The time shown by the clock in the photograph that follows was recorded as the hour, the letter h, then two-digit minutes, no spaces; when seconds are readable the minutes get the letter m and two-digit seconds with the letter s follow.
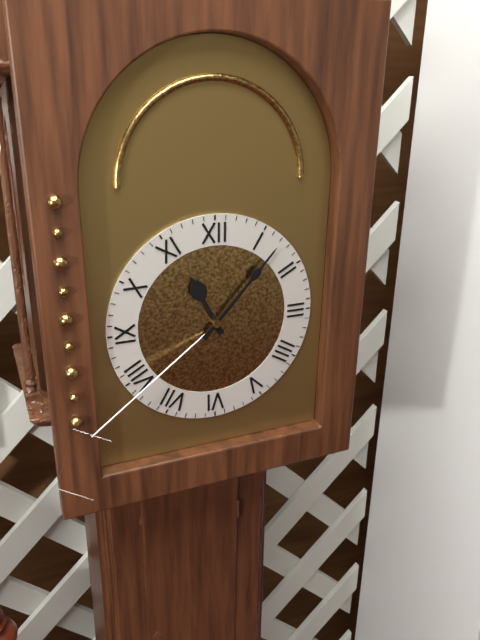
11h07
